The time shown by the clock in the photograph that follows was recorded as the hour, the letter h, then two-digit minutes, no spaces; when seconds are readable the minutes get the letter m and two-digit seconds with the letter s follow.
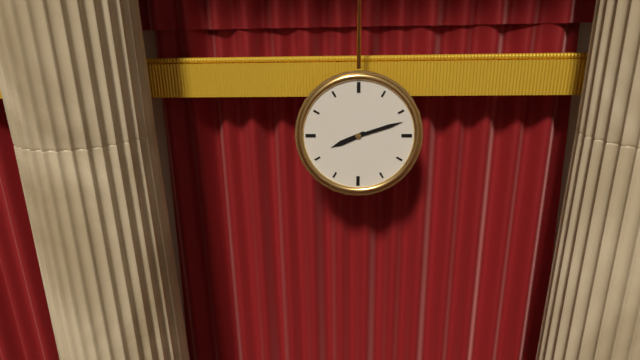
8h12
